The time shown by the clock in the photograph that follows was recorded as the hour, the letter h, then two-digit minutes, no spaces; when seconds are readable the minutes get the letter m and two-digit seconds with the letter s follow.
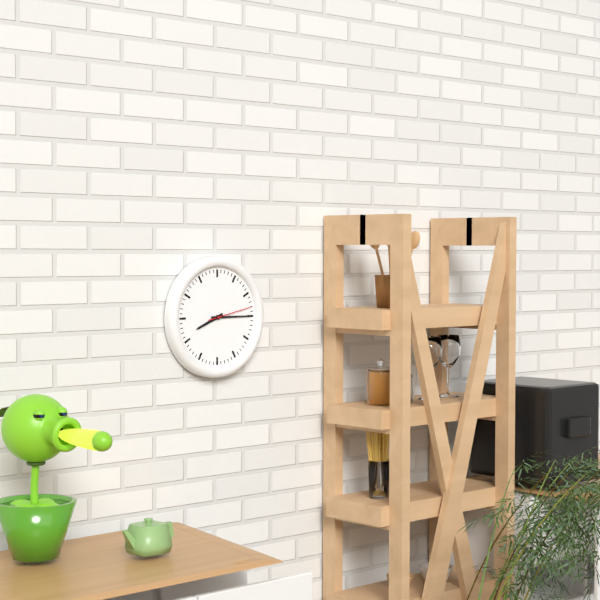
8h15
